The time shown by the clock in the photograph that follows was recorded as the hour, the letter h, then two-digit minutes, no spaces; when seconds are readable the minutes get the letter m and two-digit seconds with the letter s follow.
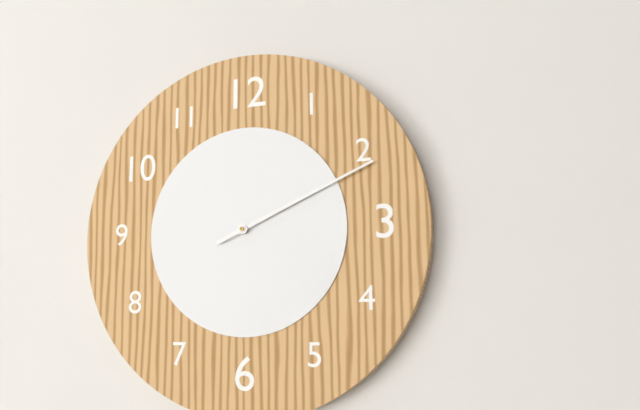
2h11
